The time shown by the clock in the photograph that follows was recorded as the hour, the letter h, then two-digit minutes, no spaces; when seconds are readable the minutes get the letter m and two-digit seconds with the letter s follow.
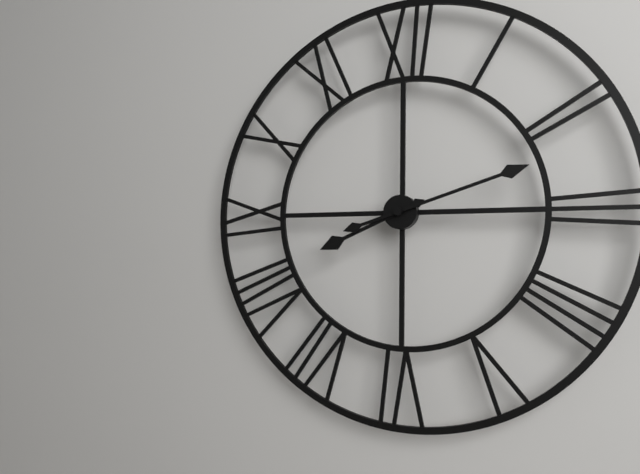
8h12
